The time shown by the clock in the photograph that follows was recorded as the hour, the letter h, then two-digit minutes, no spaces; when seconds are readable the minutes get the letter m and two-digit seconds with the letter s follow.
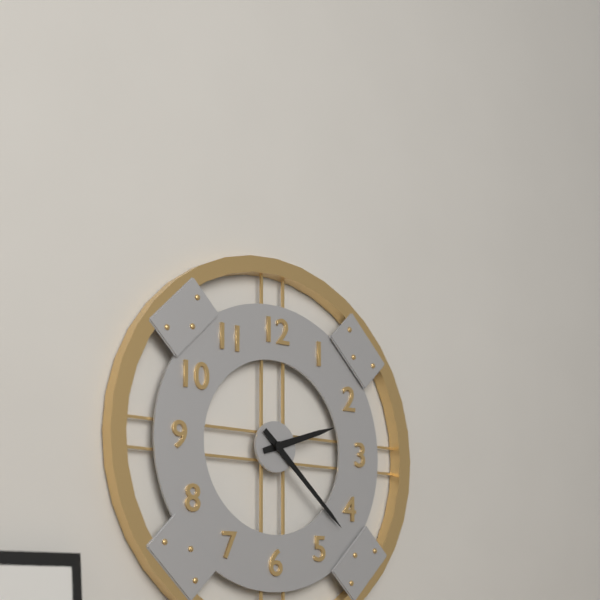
2h22
